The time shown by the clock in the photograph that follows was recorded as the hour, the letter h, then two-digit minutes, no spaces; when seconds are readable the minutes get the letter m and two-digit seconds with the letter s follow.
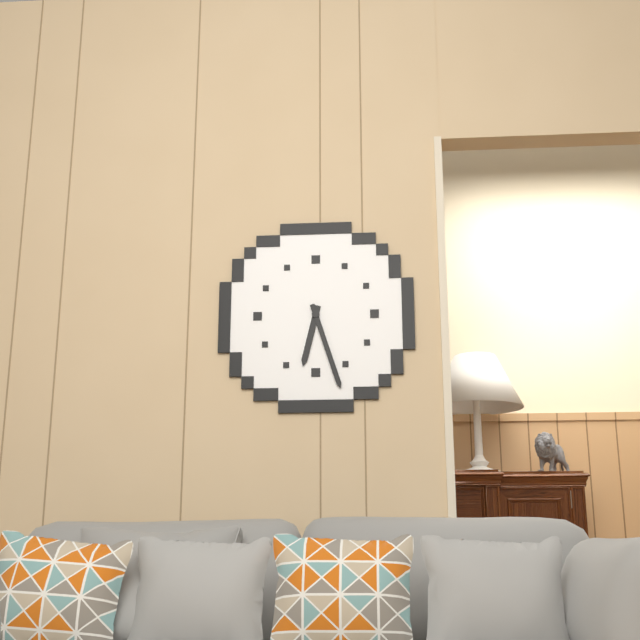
6h27
